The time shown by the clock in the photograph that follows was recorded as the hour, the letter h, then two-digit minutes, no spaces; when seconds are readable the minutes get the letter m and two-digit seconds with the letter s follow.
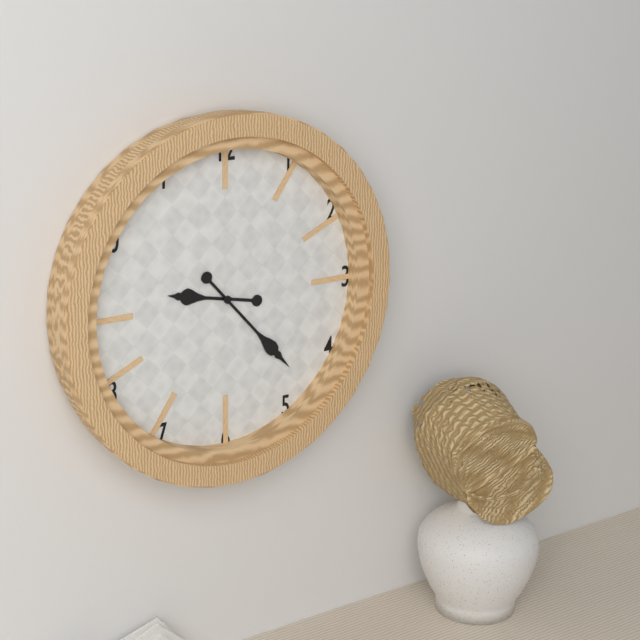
9h23
